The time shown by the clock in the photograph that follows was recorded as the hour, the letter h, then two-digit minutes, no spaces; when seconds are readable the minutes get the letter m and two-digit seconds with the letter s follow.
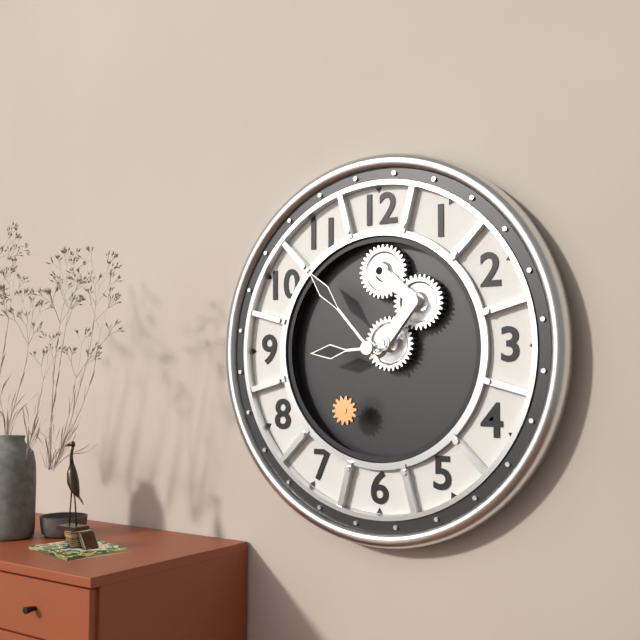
8h53
